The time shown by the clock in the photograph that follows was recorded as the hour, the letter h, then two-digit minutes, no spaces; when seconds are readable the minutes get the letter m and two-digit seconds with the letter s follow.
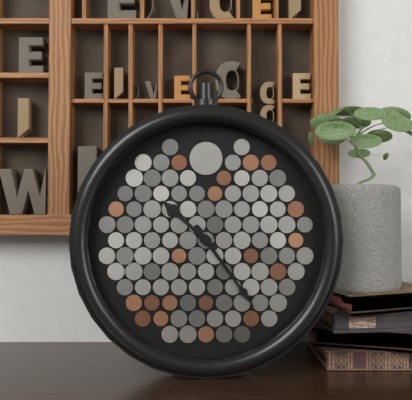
10h24
